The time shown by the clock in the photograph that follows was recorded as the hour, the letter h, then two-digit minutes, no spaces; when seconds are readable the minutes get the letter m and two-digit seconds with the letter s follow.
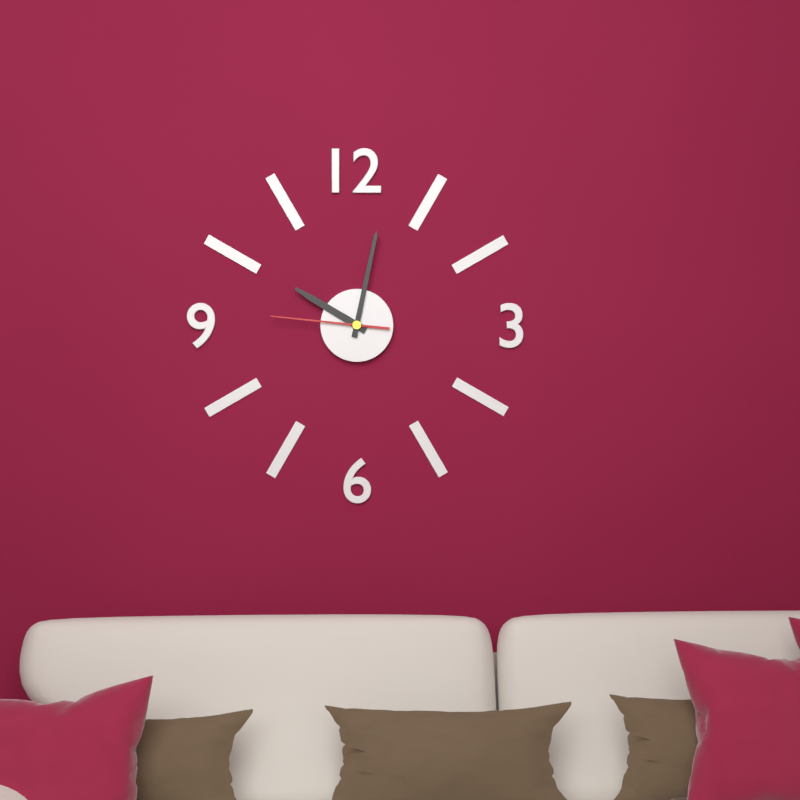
10h02m46s
